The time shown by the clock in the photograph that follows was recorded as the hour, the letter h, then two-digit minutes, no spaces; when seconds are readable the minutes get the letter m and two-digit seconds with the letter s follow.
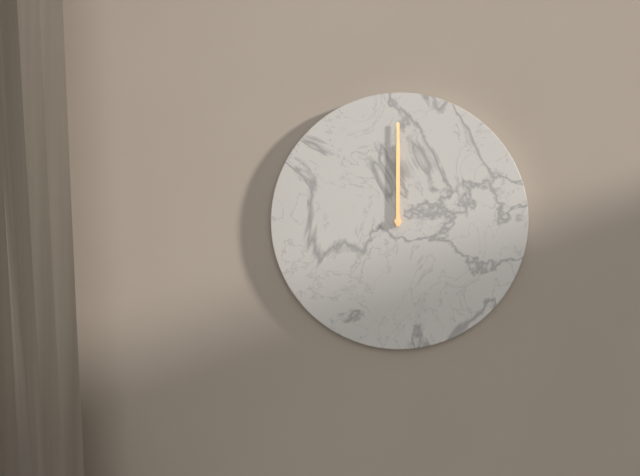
12h00
